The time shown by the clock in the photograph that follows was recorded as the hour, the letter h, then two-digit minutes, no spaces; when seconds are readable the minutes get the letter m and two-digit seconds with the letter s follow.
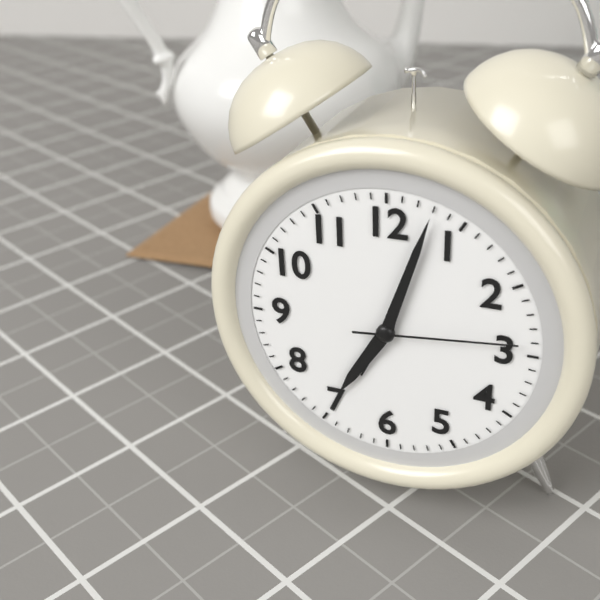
7h03m14s
